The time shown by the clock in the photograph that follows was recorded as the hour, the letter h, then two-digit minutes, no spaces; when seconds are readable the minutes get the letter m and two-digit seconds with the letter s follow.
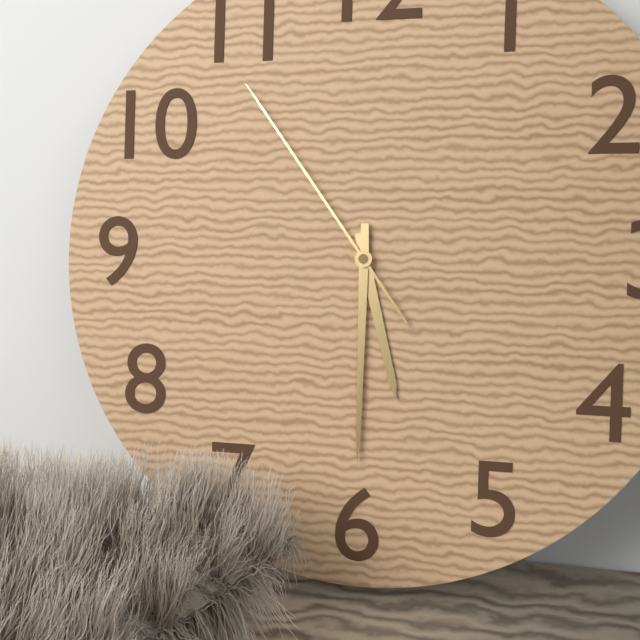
5h30m54s
